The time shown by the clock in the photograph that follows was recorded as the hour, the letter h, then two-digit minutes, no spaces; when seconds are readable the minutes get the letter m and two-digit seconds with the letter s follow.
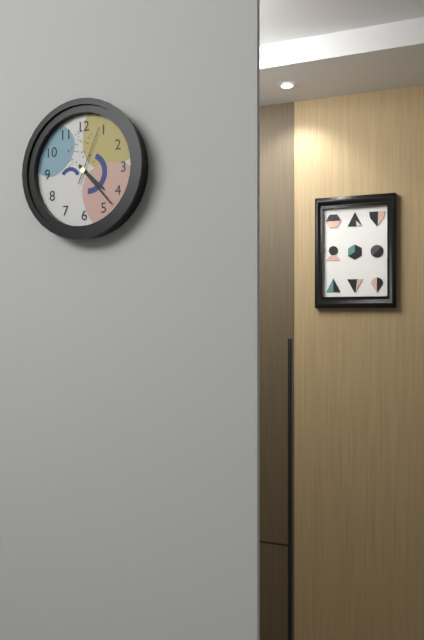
4h23m04s
